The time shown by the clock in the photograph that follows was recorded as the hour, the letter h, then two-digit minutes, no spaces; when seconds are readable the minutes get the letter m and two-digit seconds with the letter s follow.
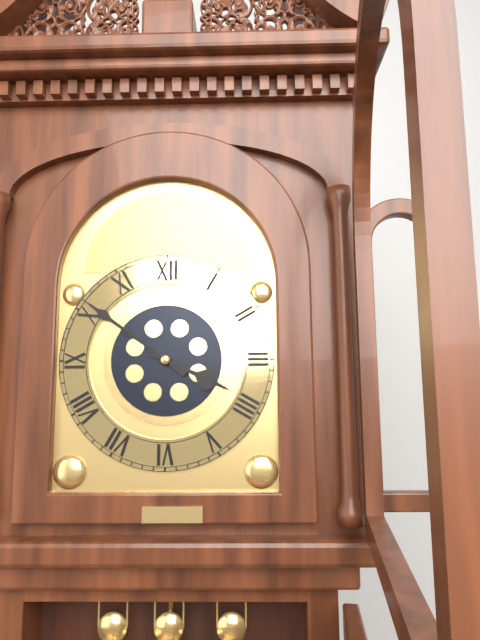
3h51
